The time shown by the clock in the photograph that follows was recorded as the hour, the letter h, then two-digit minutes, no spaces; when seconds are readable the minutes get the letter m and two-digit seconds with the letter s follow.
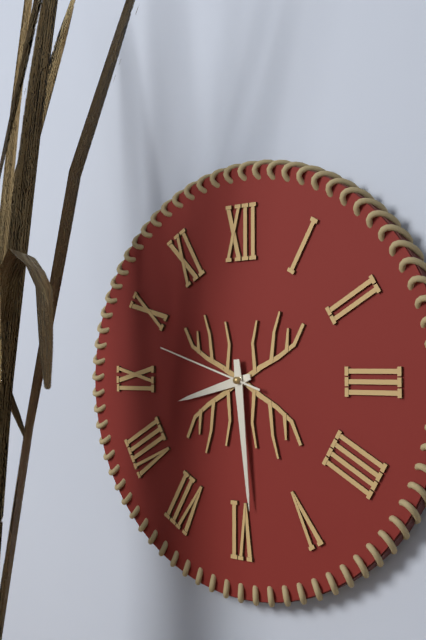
8h29m48s
